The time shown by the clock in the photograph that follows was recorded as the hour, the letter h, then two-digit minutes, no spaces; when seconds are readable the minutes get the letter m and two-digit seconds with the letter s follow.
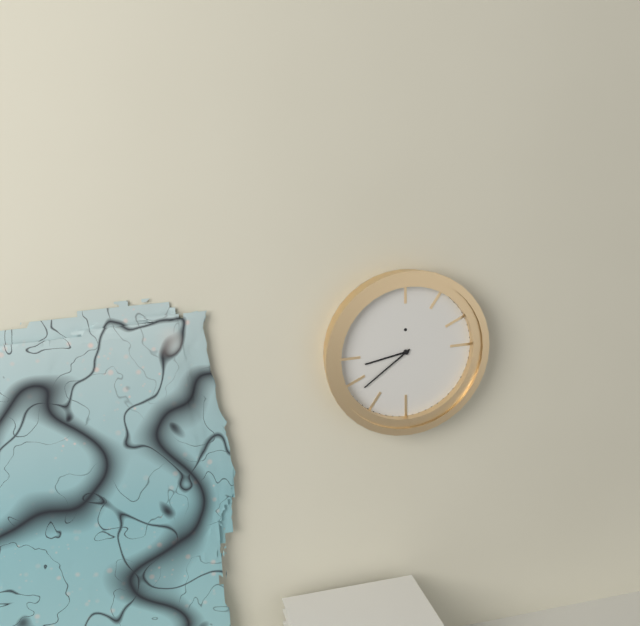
8h39
